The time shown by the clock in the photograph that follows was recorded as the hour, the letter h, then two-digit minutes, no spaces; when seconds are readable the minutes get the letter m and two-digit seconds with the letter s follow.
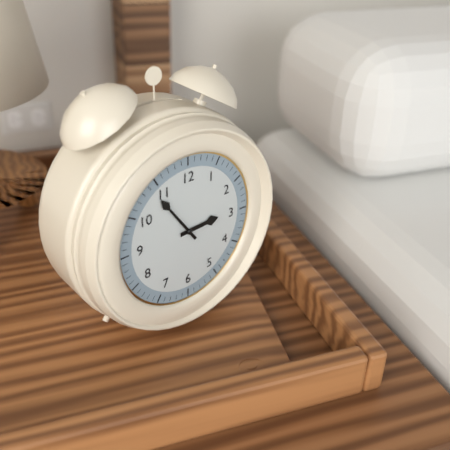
2h54
